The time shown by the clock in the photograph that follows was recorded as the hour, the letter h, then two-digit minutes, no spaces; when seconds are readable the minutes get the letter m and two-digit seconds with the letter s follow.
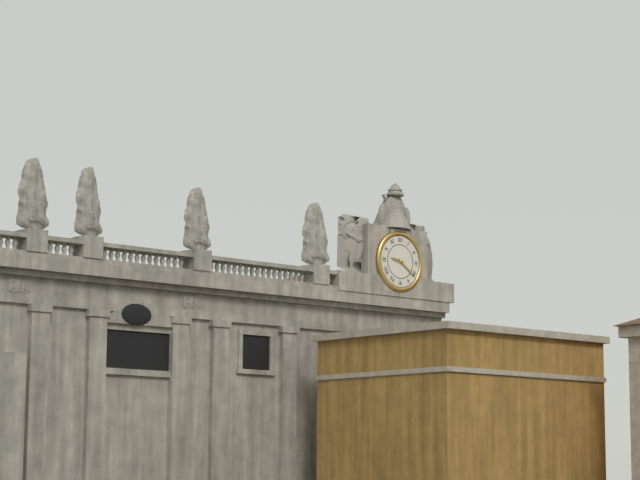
9h21
